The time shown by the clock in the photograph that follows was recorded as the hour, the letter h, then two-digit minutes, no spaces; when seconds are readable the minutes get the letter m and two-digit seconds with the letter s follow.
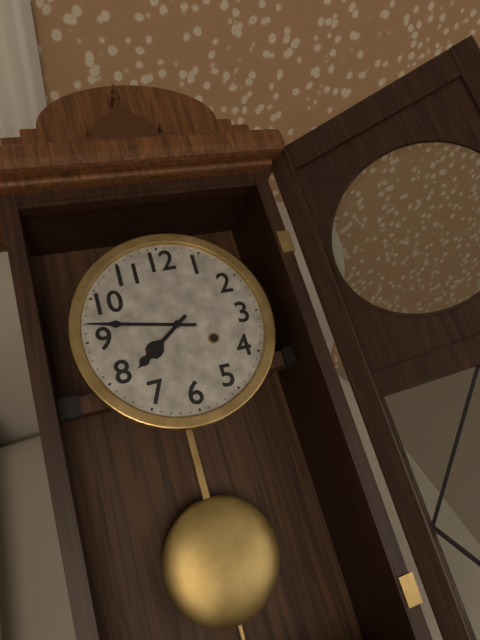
7h47
